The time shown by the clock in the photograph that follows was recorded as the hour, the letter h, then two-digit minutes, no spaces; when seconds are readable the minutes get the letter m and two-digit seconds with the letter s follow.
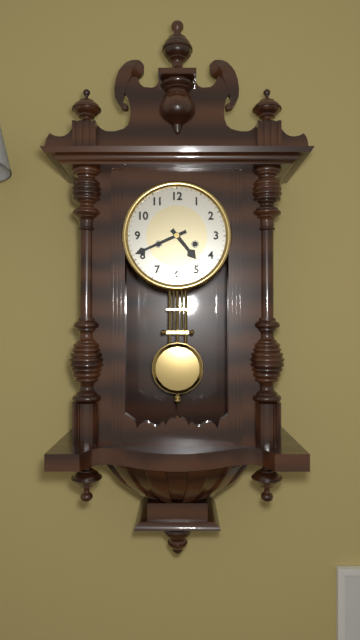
4h41
